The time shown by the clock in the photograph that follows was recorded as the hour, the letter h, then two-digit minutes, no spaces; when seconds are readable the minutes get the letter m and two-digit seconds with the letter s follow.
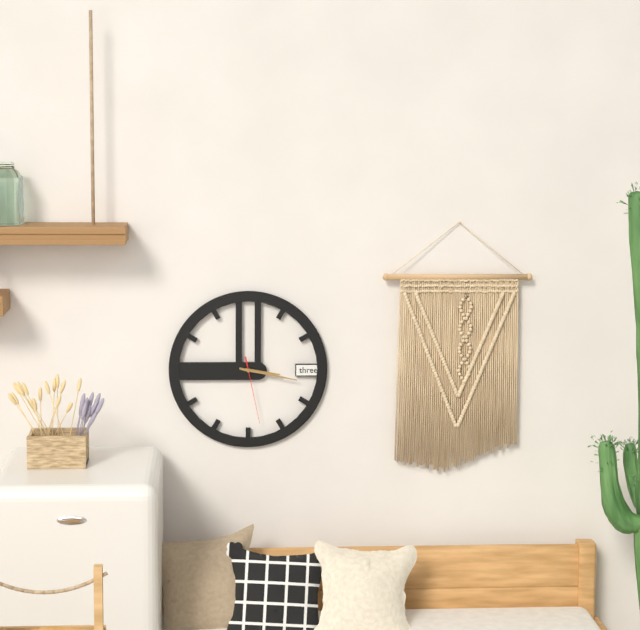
3h17m28s
